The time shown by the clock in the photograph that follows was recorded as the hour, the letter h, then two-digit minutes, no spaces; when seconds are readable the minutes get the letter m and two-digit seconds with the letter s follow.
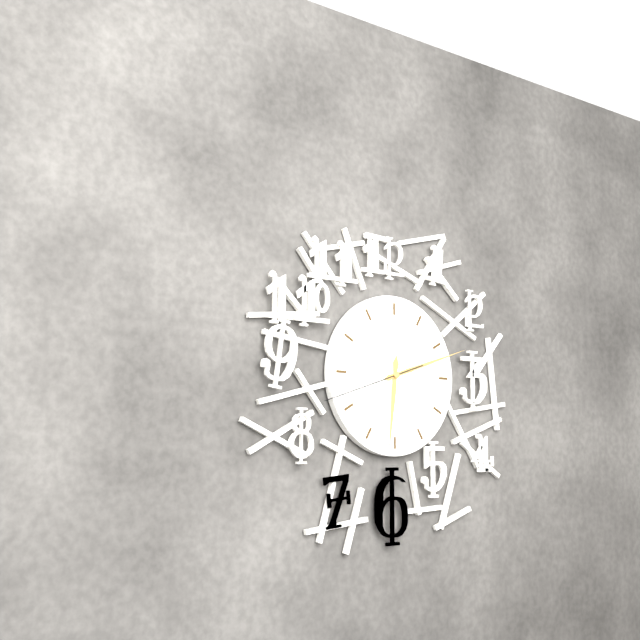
6h12m42s
